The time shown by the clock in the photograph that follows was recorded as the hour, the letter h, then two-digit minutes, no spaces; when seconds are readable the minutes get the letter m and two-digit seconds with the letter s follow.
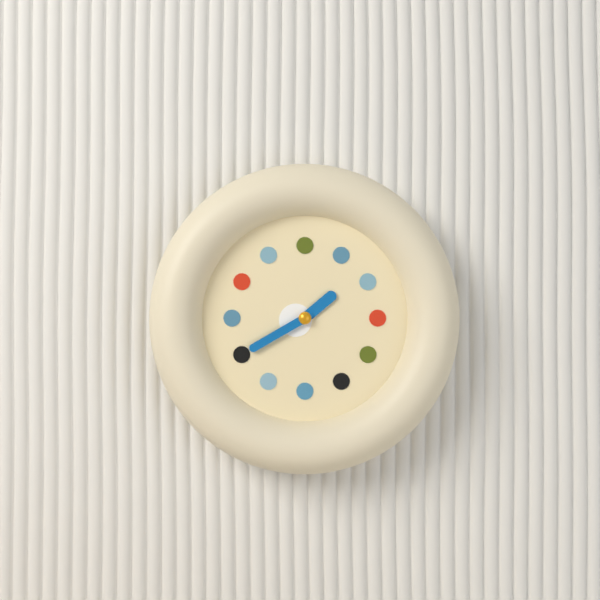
1h40
